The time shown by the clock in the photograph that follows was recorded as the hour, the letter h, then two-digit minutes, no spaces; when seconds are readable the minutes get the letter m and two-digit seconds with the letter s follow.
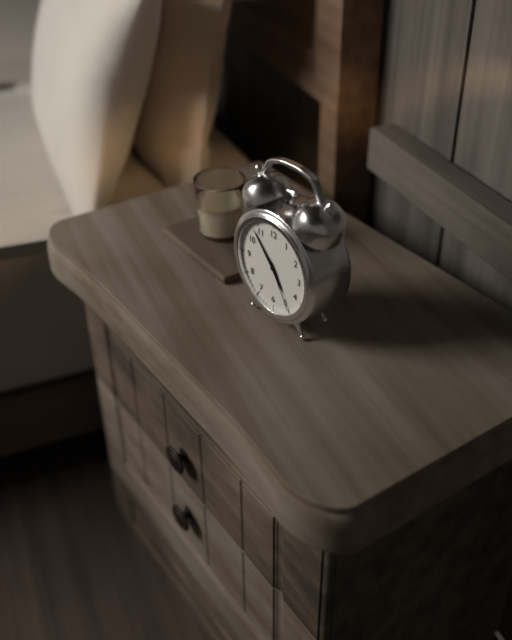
4h53m25s
